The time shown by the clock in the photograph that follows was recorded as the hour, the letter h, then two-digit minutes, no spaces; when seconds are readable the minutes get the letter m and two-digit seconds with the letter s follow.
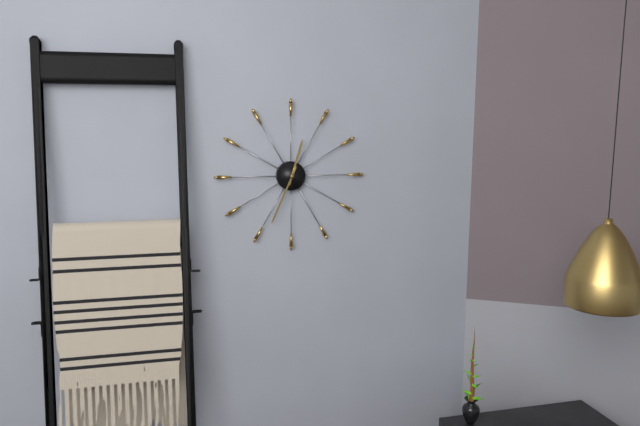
12h34
